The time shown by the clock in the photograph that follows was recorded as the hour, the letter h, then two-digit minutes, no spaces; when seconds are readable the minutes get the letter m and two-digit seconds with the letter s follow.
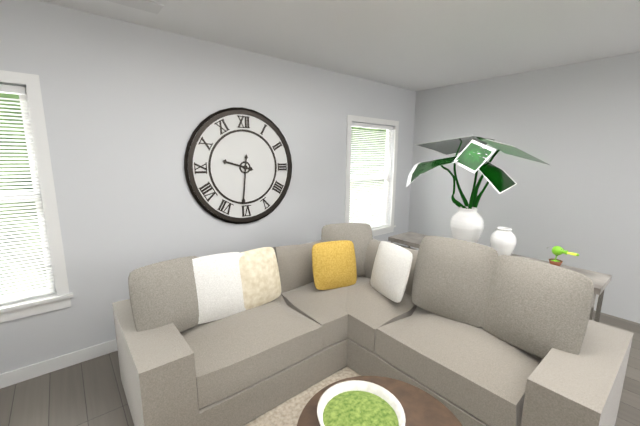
9h31
